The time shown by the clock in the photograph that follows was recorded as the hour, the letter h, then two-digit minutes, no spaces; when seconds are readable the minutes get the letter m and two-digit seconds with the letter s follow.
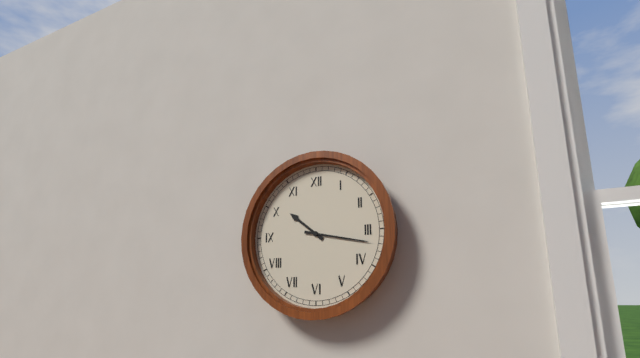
10h17
